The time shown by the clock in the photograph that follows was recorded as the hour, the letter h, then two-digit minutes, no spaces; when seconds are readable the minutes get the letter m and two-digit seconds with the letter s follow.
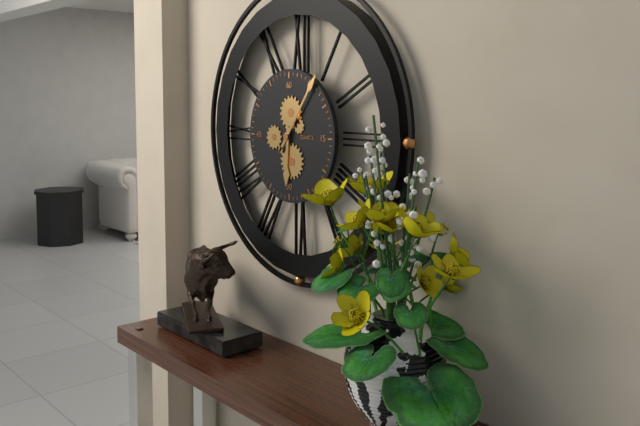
6h06
